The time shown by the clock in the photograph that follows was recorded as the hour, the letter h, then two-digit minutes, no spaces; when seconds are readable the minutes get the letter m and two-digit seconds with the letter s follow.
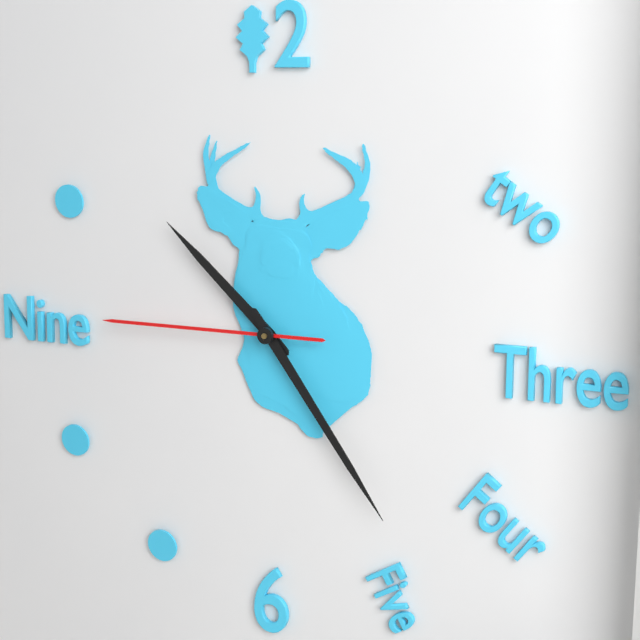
10h24m45s
